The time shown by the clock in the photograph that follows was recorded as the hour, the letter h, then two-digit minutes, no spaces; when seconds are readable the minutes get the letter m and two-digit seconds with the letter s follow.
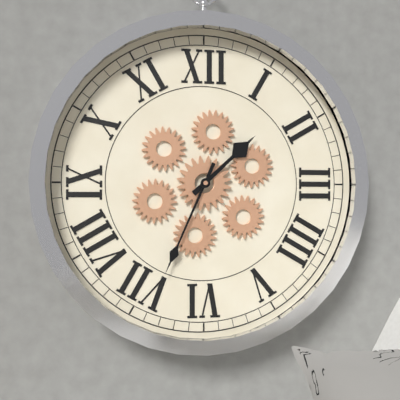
1h34
